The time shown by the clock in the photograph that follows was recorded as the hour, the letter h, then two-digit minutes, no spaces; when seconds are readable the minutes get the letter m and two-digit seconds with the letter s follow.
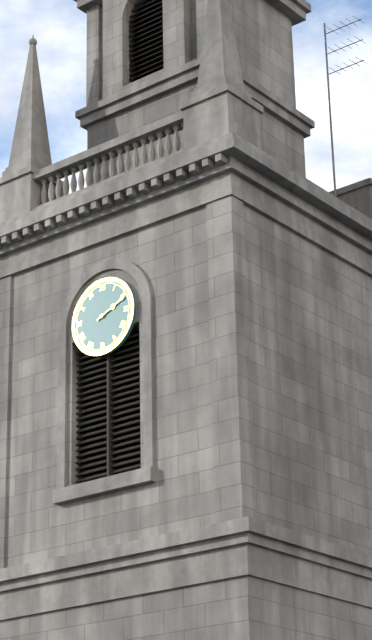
2h11
